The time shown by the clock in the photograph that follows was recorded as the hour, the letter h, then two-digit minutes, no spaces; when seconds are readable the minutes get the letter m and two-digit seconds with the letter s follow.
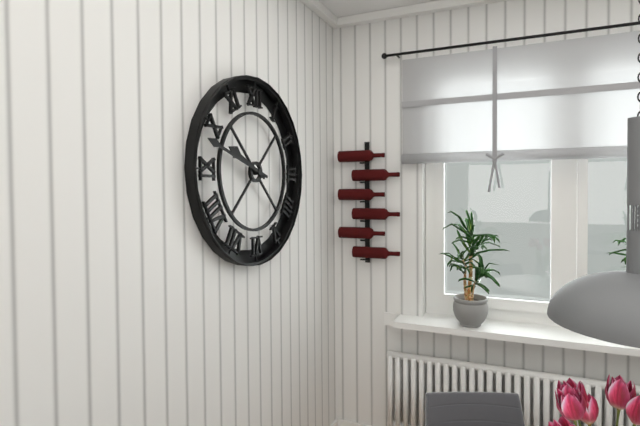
9h48
